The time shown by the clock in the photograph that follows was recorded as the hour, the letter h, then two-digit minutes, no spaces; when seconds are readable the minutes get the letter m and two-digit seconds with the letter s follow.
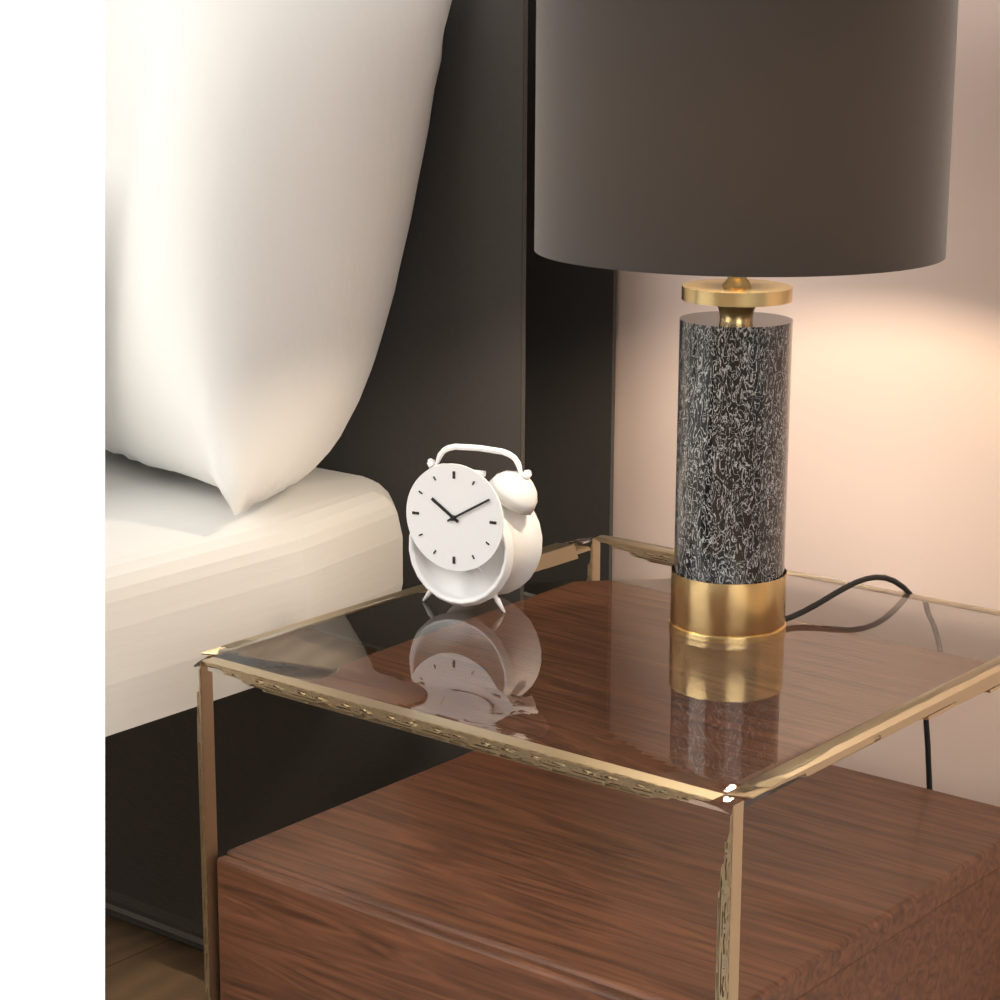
10h10
